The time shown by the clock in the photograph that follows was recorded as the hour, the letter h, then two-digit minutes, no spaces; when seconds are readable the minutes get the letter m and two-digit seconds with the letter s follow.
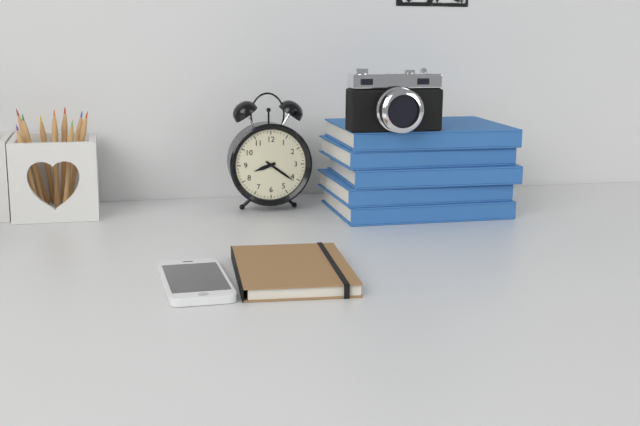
8h21
